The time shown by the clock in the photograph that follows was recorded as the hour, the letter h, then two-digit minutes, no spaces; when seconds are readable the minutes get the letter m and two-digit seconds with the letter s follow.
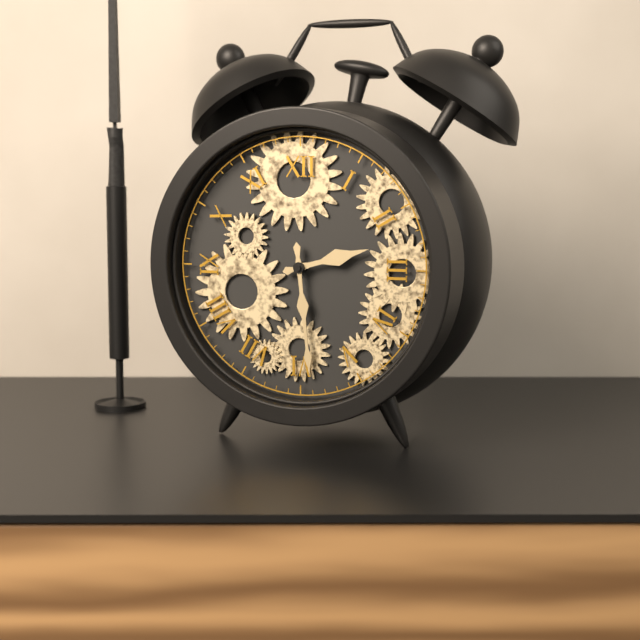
2h29
